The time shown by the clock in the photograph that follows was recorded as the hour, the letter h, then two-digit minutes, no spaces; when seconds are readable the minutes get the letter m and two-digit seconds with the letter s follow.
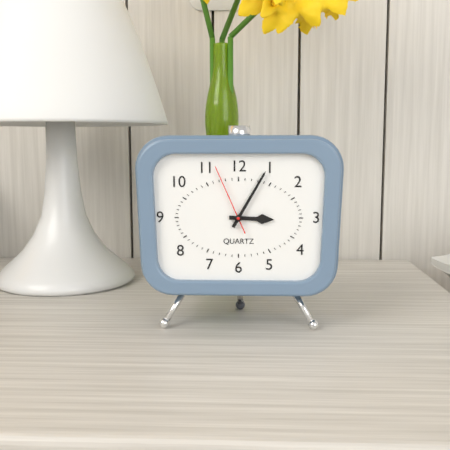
3h05m56s
